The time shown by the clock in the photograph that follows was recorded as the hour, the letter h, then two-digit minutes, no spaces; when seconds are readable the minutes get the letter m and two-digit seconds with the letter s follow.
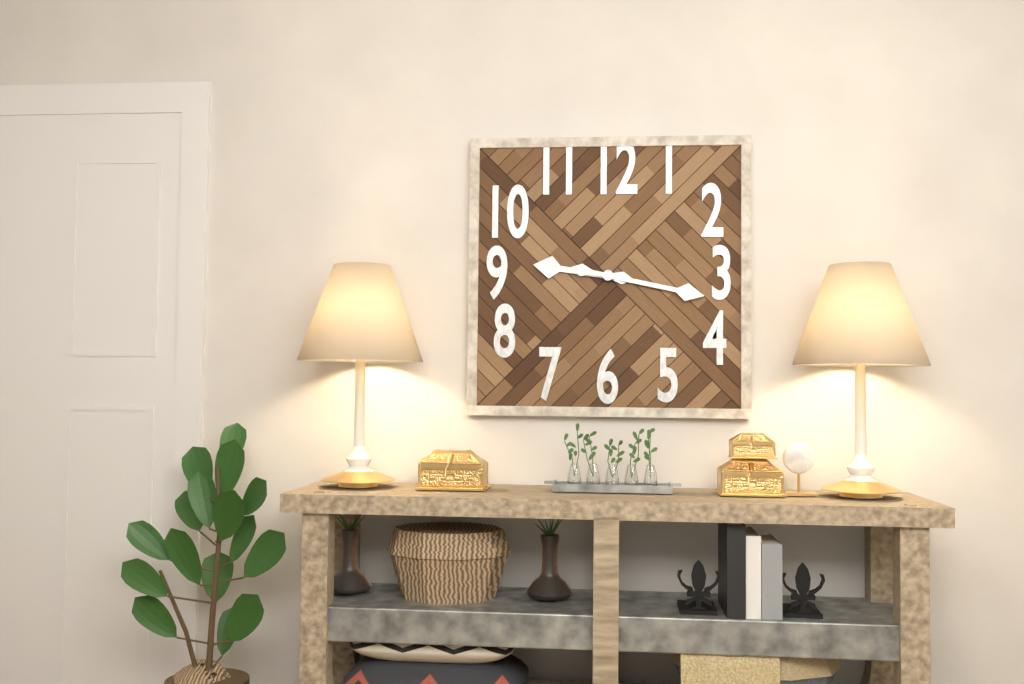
9h17
